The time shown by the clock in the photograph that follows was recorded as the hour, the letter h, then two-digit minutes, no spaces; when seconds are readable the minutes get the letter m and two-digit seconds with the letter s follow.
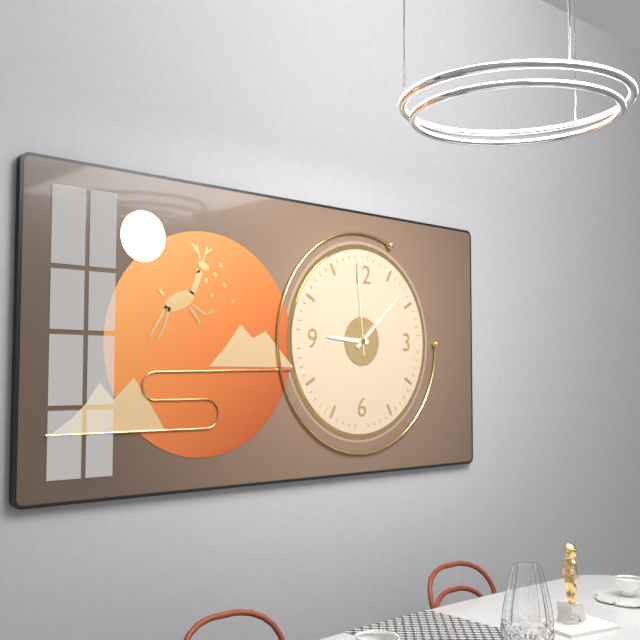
9h08m59s
